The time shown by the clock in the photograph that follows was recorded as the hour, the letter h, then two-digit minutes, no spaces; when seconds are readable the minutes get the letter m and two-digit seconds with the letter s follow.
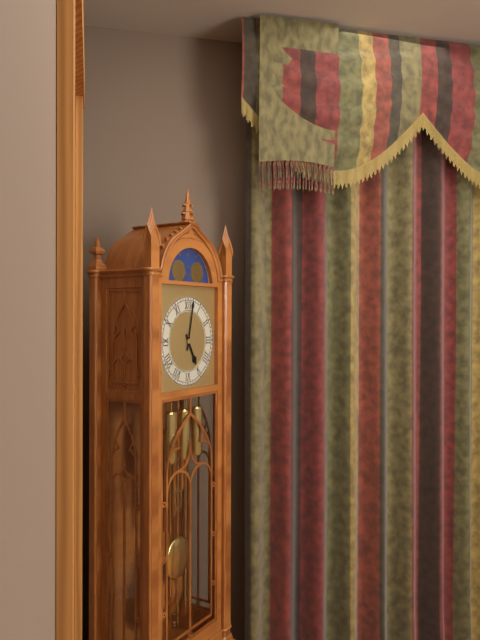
5h02
